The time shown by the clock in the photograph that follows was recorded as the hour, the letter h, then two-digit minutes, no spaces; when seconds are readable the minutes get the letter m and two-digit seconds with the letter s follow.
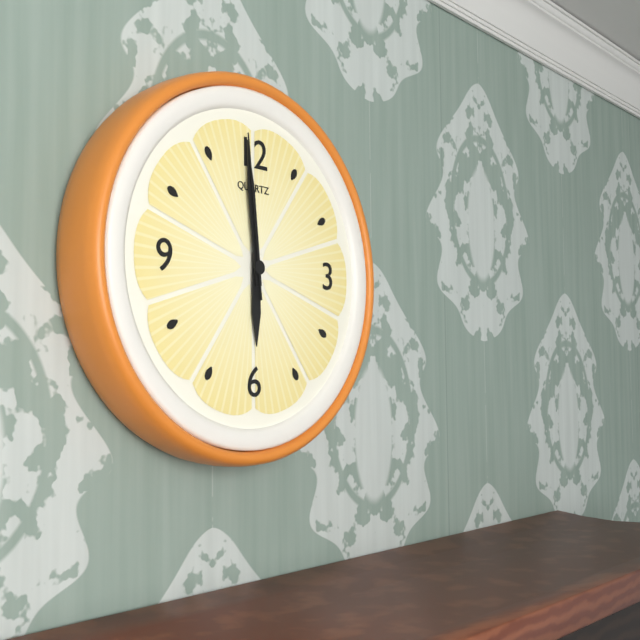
5h59m59s
